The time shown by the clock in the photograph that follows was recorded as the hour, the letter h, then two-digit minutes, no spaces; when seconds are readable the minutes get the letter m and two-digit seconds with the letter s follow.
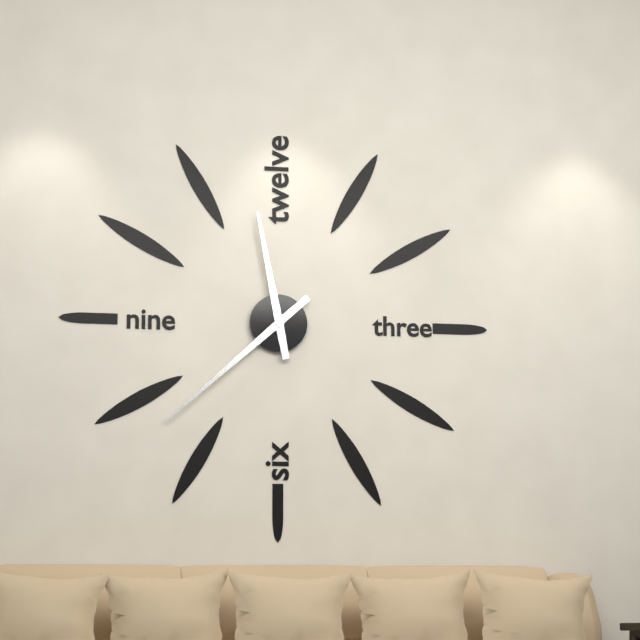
11h38
